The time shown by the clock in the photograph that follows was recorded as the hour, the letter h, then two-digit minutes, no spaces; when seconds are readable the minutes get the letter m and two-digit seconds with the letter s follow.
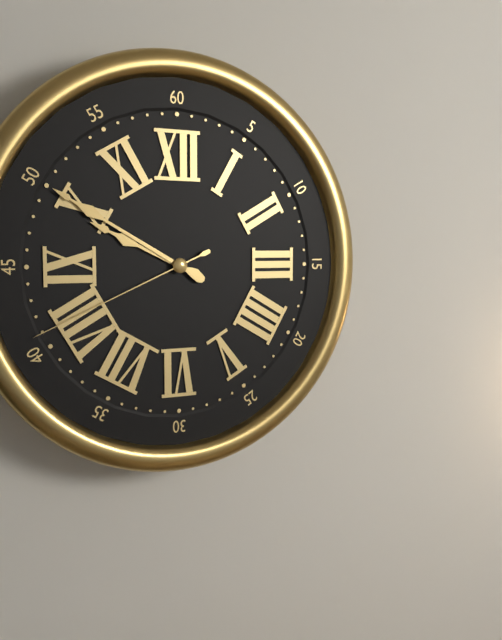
9h50m41s
